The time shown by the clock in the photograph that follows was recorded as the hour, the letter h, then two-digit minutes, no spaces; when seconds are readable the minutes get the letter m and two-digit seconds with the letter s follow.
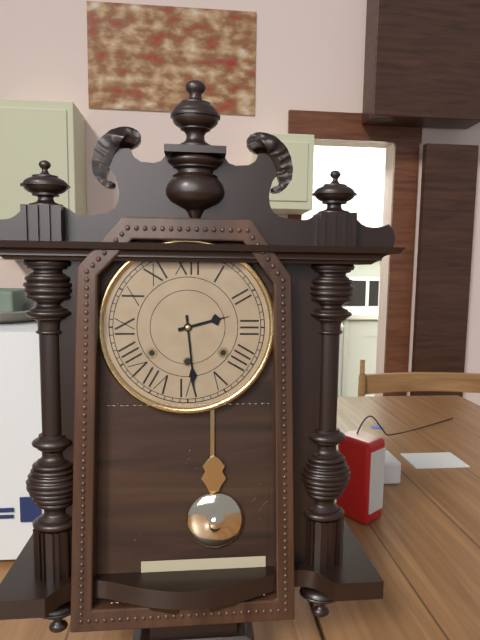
2h29
